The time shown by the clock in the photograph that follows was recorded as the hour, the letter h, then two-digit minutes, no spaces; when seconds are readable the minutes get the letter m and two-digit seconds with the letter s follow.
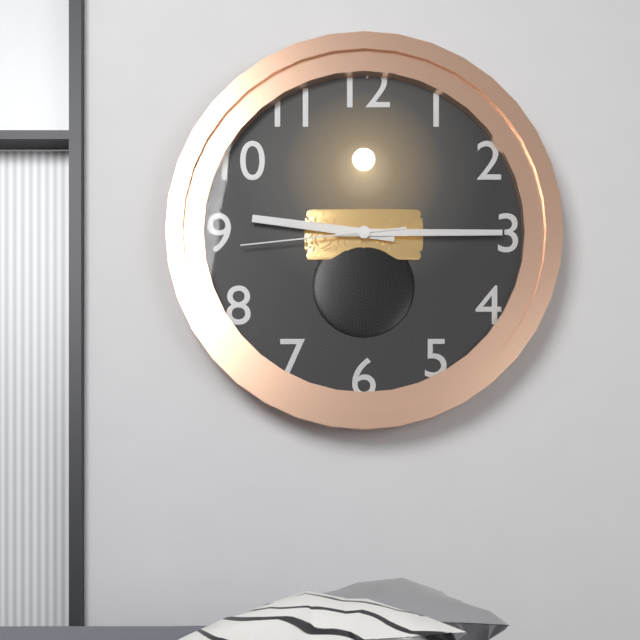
9h15m44s
